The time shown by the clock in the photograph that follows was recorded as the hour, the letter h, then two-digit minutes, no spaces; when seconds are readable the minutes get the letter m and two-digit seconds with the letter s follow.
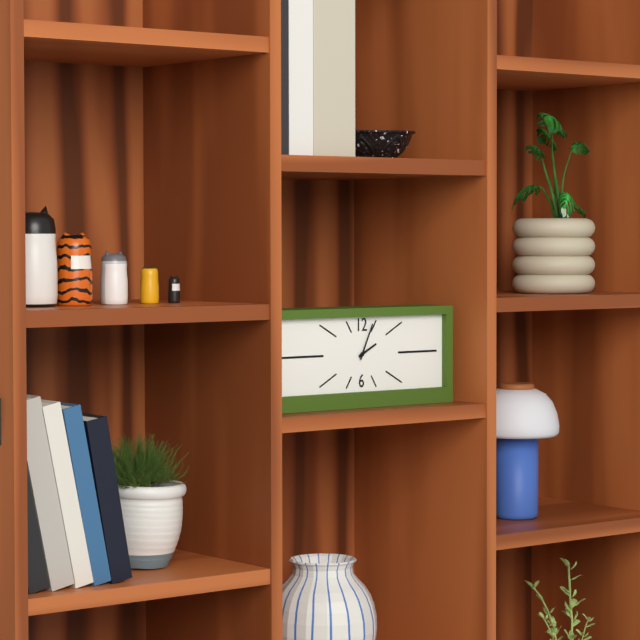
2h04
